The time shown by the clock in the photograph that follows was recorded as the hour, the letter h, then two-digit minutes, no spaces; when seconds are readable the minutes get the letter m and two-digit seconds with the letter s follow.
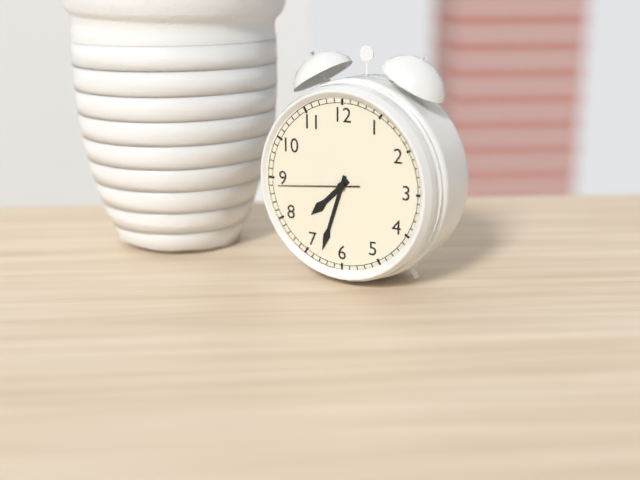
7h33m44s
